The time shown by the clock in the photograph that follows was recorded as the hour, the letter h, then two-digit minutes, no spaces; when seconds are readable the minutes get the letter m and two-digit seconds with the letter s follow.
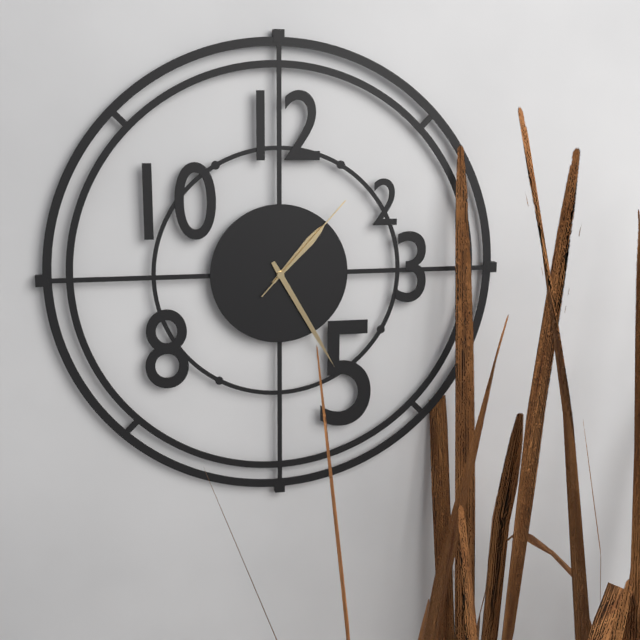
1h25m07s
